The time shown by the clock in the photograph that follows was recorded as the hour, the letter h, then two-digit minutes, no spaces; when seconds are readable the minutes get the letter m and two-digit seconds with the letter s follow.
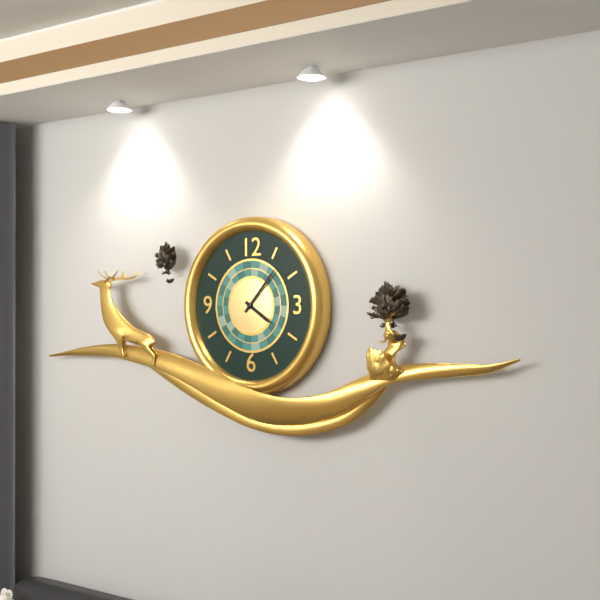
4h07
